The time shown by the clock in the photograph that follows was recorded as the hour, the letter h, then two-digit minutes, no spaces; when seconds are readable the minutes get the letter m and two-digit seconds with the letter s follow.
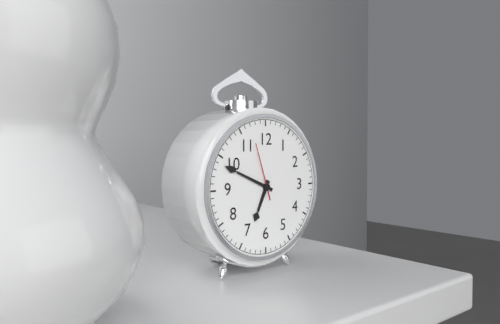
6h49m57s
